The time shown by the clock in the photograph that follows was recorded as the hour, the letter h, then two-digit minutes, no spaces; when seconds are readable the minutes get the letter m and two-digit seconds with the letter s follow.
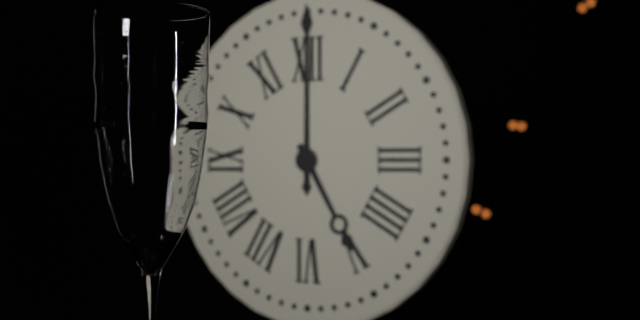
5h00
